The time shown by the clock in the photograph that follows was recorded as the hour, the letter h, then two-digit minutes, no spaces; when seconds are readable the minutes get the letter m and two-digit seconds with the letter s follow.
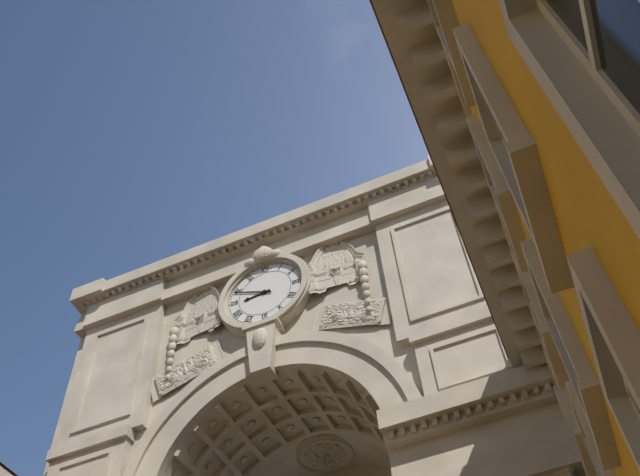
8h49
